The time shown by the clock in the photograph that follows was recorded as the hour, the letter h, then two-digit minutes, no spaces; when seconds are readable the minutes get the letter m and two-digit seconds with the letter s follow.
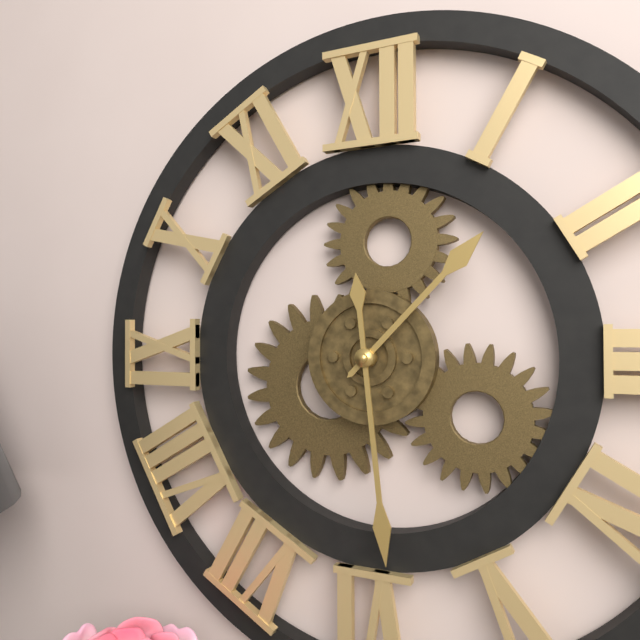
1h29
